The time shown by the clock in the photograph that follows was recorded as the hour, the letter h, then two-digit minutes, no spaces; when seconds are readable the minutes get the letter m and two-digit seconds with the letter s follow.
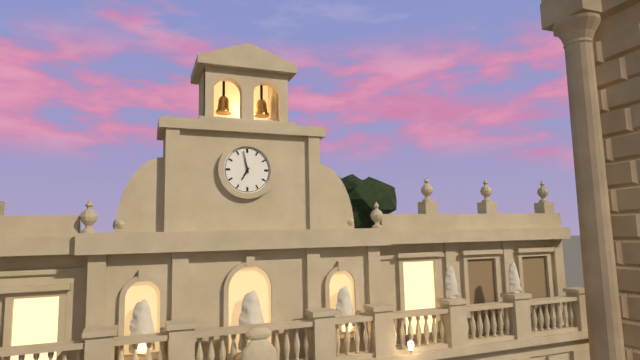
6h58
